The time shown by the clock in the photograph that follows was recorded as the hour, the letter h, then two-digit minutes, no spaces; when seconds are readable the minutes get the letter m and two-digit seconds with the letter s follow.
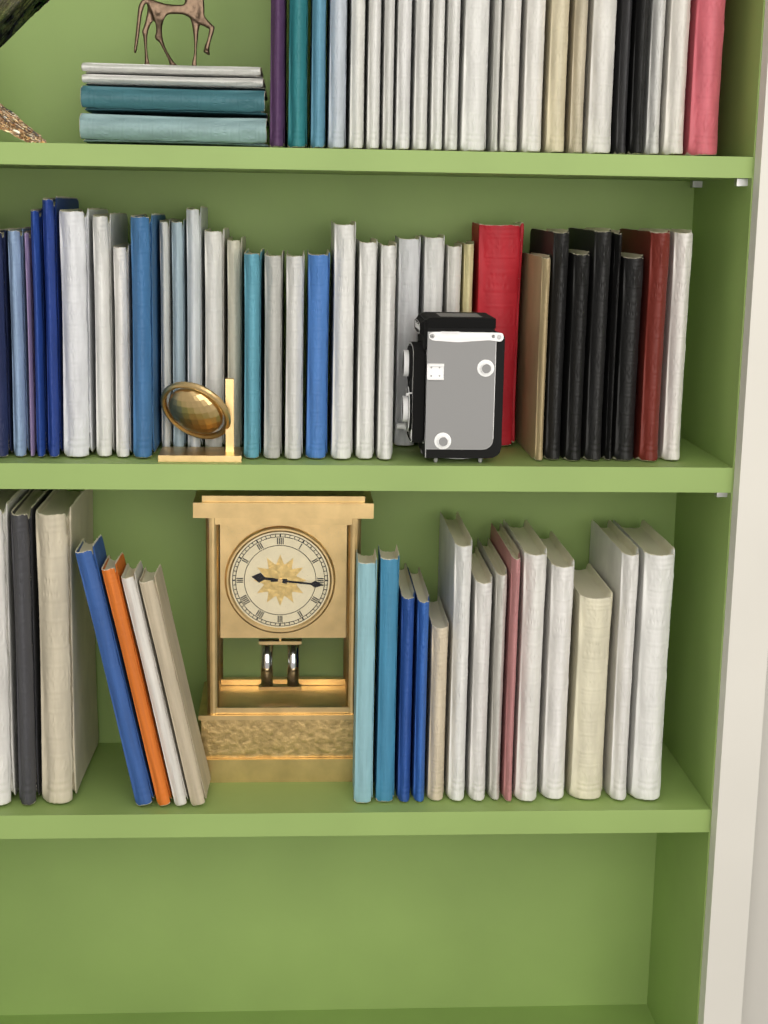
9h16
